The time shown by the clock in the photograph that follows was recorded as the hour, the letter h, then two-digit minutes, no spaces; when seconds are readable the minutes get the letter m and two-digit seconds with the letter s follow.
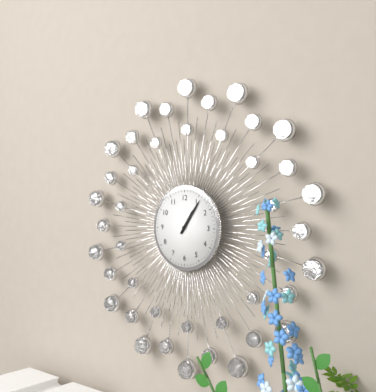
1h06
